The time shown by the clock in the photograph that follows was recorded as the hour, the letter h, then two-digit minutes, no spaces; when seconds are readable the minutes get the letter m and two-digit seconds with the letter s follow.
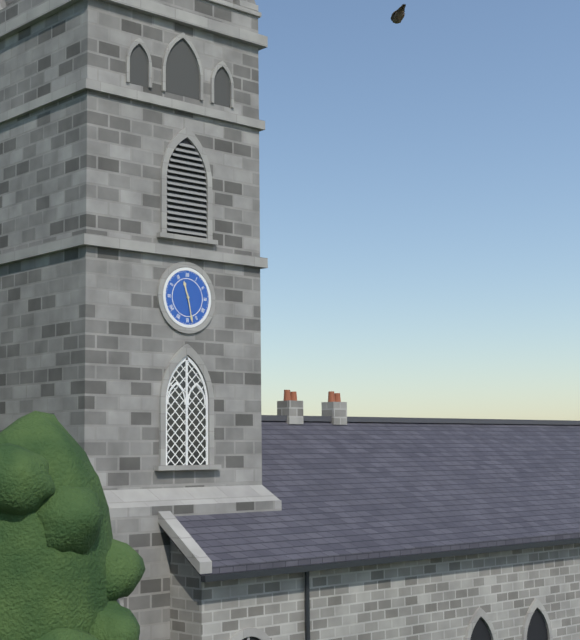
11h28
